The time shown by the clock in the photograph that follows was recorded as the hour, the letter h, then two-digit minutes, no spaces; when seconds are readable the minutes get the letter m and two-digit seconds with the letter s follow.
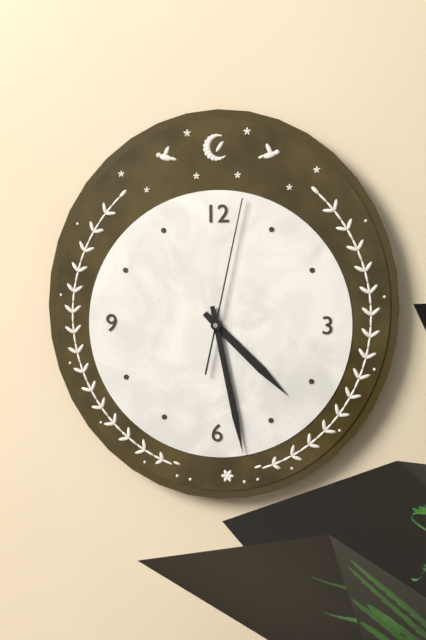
4h28m02s
